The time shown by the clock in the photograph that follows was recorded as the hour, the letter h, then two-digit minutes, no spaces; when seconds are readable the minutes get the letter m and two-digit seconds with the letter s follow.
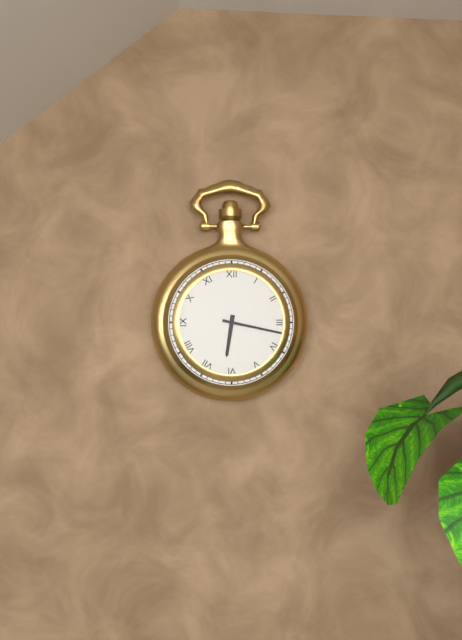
6h17
